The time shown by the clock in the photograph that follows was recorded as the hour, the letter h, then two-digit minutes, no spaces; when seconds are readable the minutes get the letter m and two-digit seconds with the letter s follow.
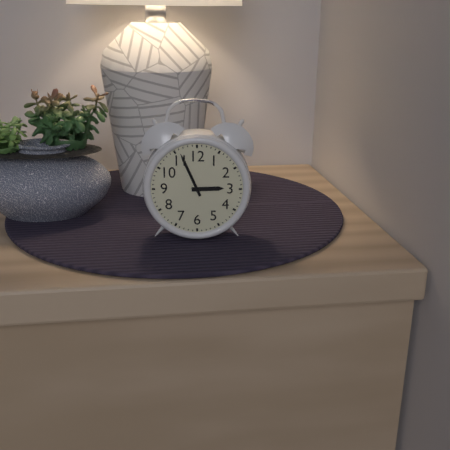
2h56
